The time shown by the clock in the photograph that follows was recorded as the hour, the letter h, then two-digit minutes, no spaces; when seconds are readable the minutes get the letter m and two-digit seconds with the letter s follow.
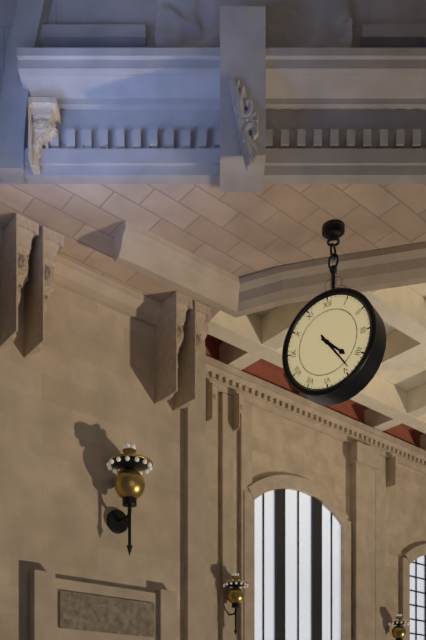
4h24
